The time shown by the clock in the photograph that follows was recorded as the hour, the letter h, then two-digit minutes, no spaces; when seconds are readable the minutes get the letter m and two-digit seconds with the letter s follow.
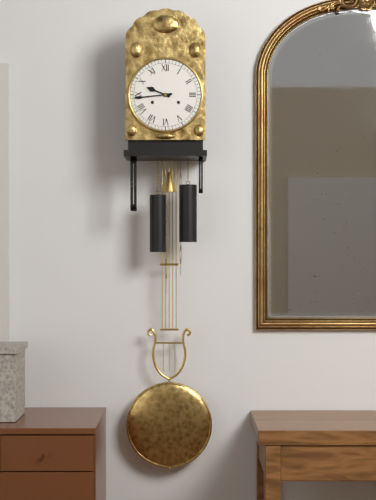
9h44
